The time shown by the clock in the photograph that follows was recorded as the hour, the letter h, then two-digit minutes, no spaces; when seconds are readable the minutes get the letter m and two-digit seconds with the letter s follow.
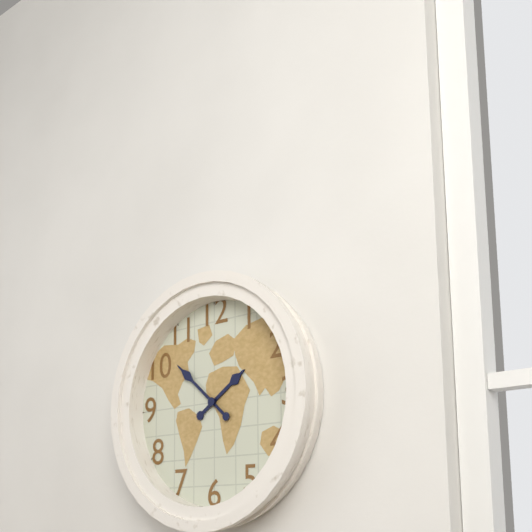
1h52
